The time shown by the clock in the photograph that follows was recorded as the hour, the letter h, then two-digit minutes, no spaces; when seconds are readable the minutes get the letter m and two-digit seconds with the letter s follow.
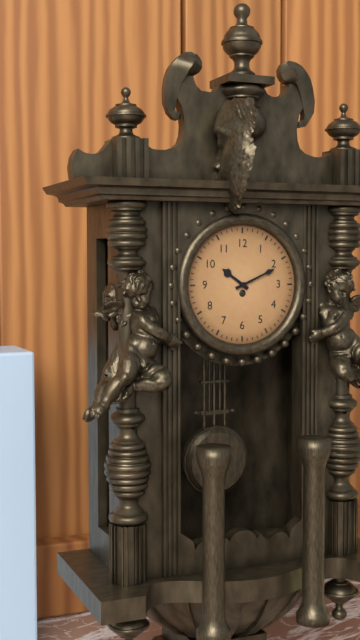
10h11
